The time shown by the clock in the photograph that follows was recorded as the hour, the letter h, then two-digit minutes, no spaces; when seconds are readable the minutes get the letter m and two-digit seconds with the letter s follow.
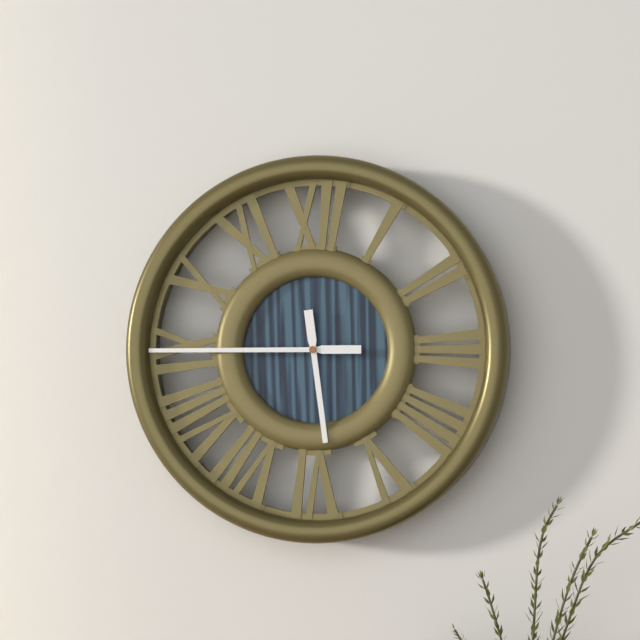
5h45
